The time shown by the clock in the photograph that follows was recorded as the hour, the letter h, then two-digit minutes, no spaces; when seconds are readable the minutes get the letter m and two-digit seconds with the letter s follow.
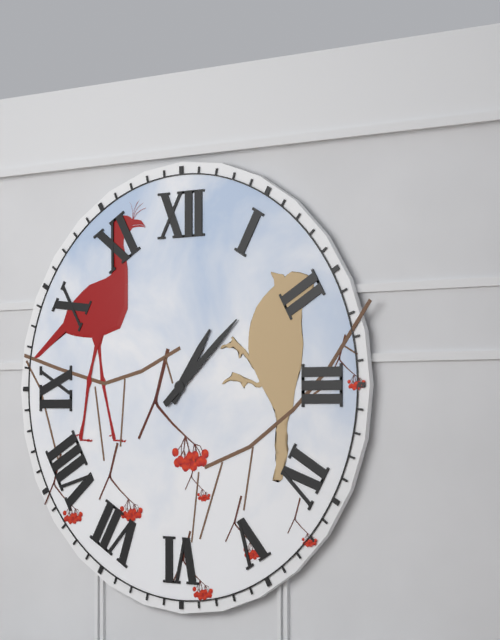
1h08
